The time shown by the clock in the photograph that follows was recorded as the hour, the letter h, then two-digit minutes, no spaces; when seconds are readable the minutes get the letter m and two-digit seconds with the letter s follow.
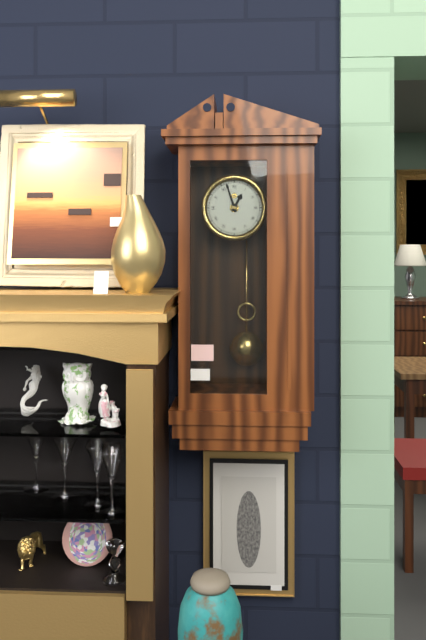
12h57
